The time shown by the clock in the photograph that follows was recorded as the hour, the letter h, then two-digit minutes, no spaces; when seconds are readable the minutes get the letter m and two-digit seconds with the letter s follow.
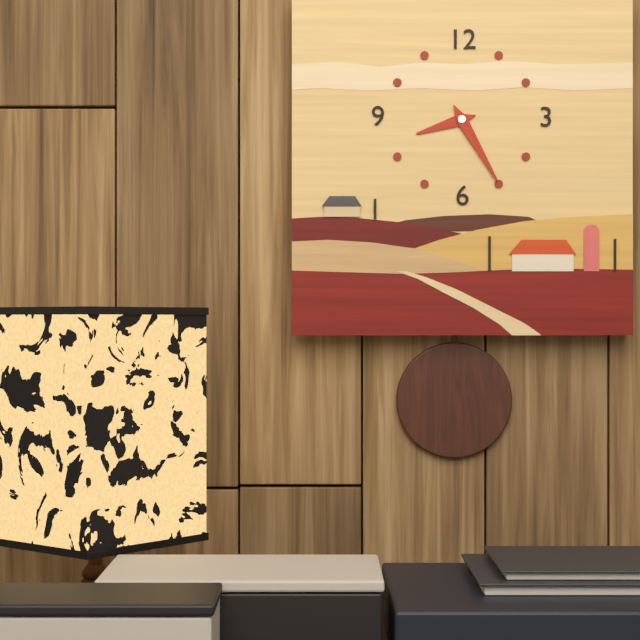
8h25
